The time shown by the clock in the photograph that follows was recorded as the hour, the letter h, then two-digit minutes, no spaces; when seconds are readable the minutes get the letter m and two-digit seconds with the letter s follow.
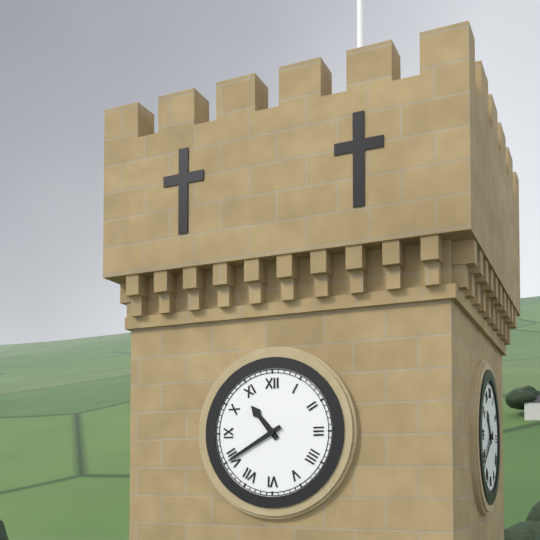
10h40
